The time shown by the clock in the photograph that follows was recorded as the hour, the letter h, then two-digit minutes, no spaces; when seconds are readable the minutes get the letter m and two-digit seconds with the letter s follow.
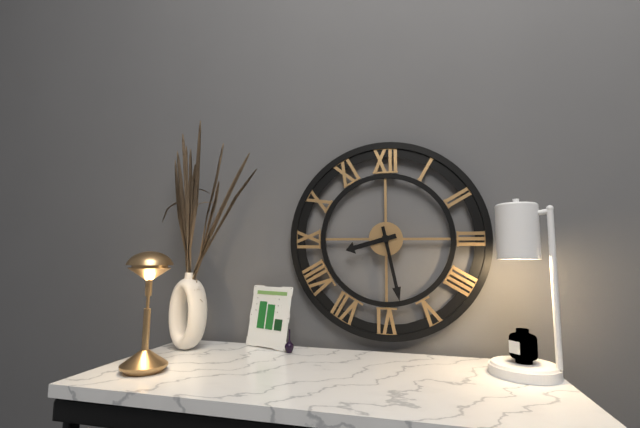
8h28
